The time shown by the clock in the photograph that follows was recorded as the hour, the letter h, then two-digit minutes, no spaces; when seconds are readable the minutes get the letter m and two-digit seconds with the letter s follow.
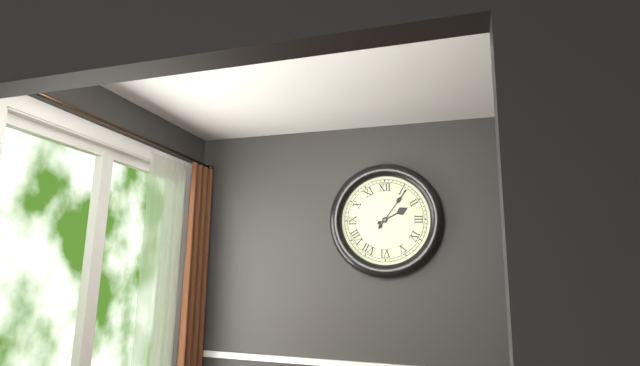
2h06
